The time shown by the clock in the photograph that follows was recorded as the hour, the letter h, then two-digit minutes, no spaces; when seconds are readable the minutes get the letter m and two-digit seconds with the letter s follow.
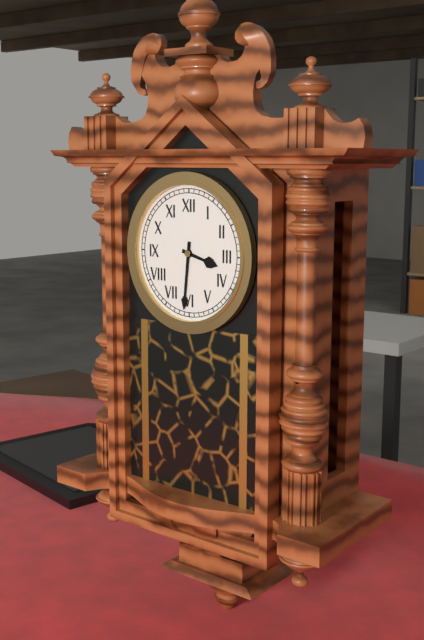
3h31
